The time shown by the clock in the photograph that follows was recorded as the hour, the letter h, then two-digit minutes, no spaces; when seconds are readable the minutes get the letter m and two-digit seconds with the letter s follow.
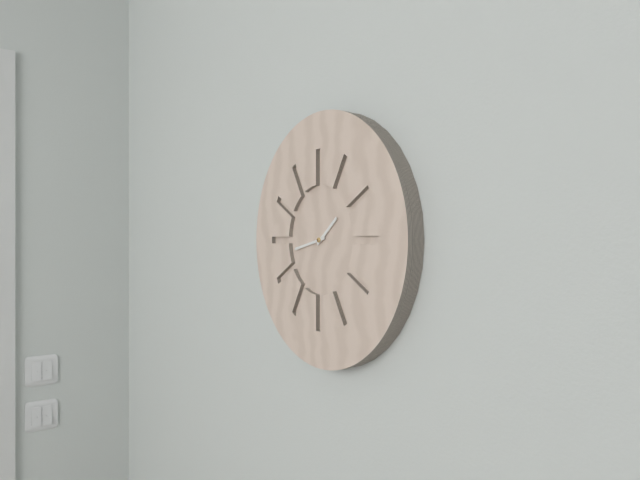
1h43
